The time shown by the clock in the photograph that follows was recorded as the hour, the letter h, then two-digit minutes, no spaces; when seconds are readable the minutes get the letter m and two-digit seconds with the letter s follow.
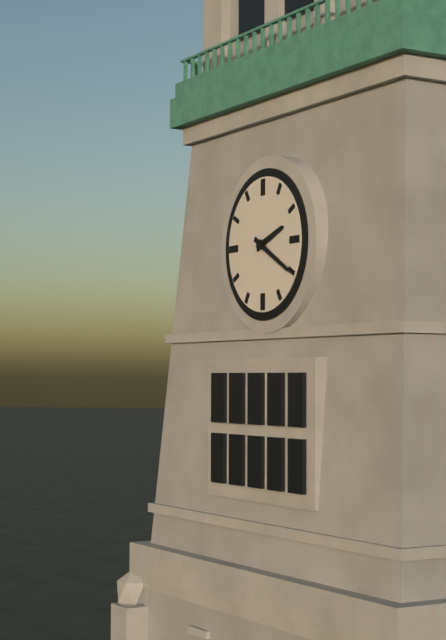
2h20
